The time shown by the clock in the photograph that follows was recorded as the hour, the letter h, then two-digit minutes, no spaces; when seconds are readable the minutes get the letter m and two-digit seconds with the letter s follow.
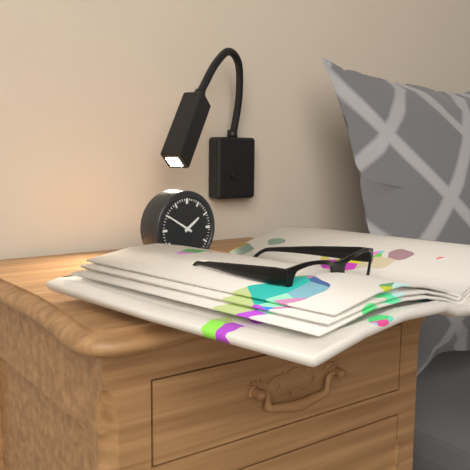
1h50
